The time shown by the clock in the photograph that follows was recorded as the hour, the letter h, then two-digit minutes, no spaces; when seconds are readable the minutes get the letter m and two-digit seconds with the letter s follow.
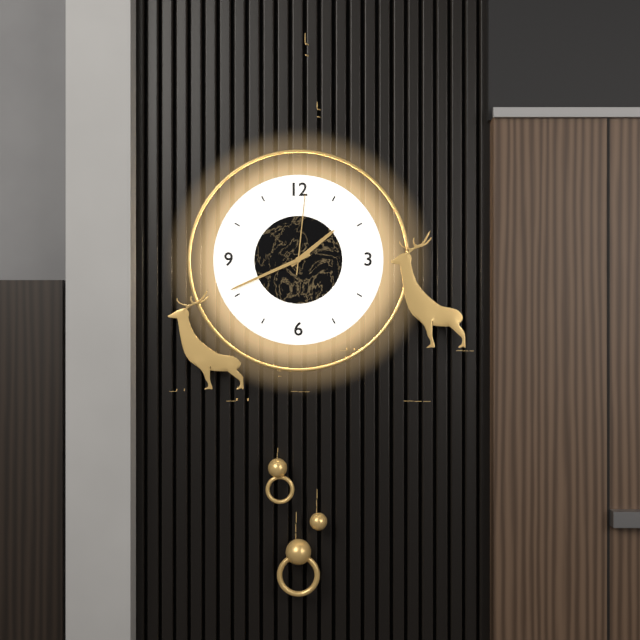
1h41m01s
